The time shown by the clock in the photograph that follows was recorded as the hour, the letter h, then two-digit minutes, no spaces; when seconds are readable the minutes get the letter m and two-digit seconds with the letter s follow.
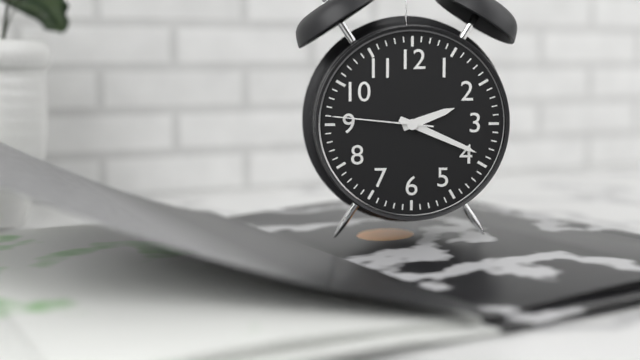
2h19m46s
